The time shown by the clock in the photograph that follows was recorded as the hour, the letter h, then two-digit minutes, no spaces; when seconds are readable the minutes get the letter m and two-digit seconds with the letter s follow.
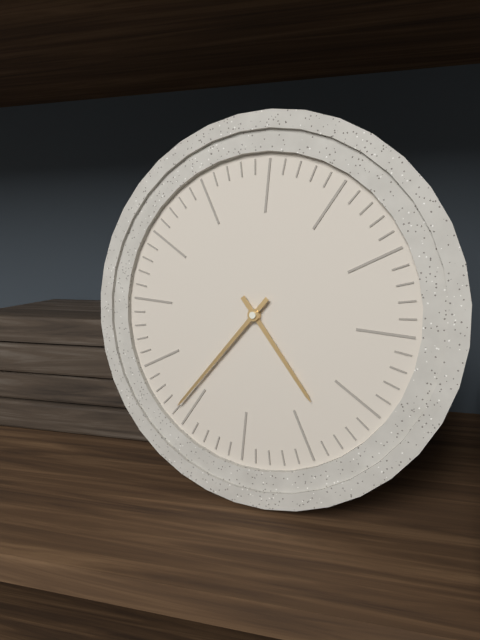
4h36
